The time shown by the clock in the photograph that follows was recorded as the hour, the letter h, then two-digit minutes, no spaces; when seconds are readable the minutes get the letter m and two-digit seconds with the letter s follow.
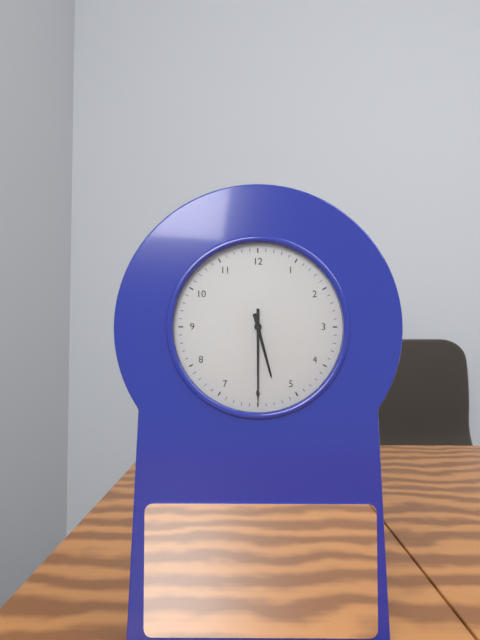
5h30
